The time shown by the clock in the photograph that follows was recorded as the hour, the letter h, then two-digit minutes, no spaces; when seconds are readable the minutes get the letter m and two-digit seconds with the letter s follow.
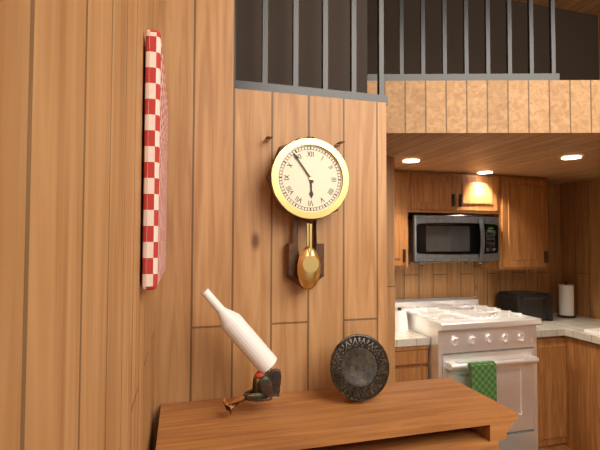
5h54
